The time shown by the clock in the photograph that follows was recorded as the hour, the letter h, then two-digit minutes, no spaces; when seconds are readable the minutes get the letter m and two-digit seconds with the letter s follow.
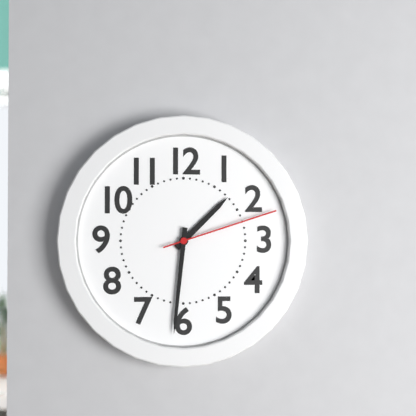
1h31m12s
